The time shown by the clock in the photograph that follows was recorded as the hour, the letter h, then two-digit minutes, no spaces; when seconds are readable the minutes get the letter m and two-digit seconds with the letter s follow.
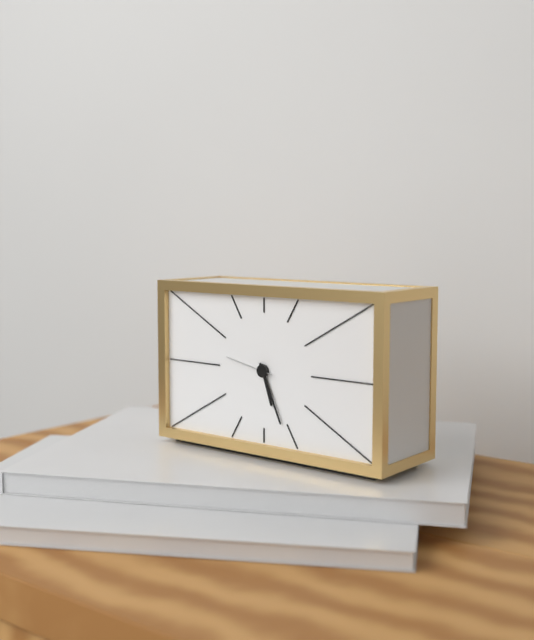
5h26
